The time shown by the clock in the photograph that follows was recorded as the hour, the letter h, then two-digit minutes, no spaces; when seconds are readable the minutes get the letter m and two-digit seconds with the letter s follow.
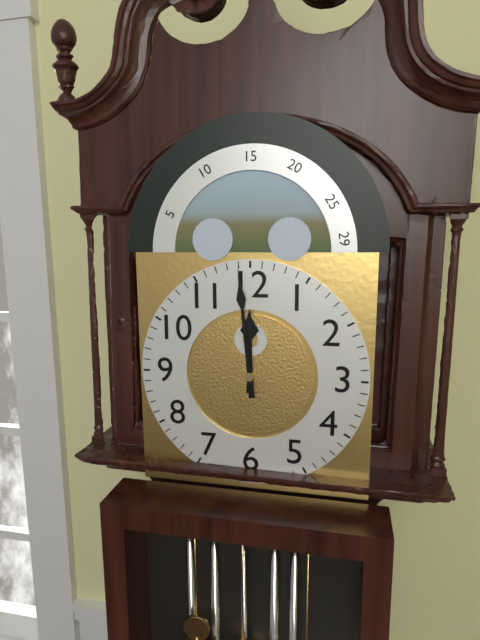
11h59
